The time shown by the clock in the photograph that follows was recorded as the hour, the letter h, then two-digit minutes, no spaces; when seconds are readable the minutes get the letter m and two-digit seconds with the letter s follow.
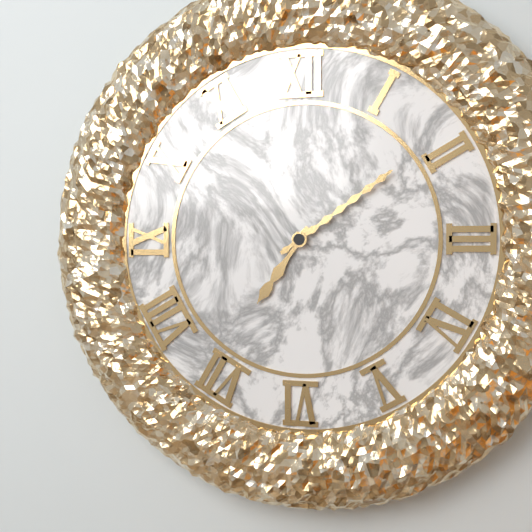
7h09
